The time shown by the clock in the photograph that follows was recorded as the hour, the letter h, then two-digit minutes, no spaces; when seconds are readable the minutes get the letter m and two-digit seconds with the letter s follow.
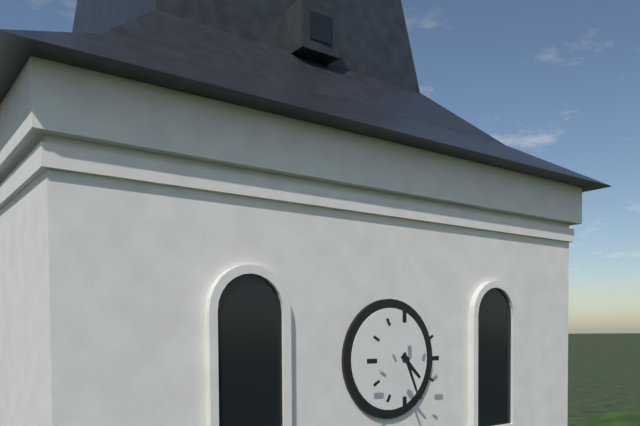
4h26
